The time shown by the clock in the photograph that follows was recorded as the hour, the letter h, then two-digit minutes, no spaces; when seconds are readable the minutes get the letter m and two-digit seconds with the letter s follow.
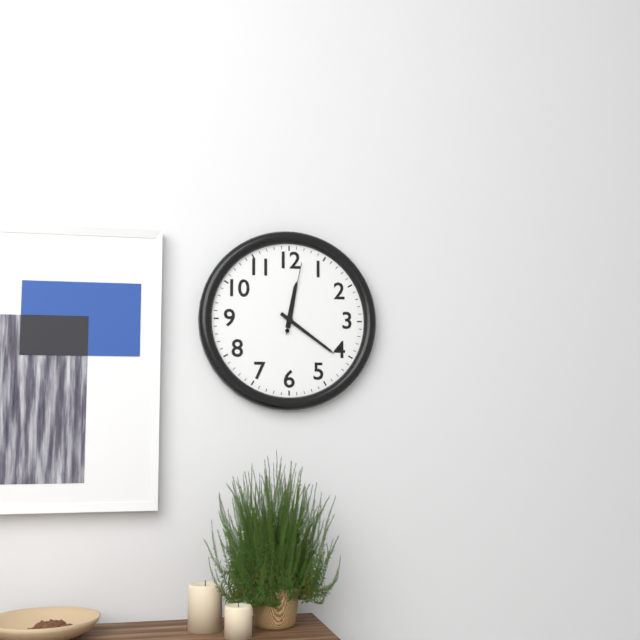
12h21m02s
